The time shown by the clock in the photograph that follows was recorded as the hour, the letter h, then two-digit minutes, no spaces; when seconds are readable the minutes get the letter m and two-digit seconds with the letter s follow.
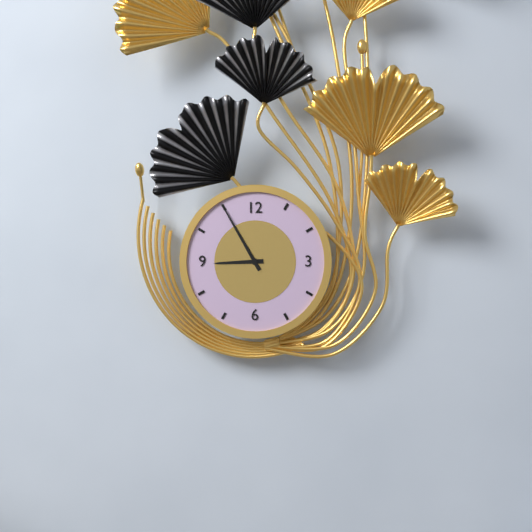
8h55
